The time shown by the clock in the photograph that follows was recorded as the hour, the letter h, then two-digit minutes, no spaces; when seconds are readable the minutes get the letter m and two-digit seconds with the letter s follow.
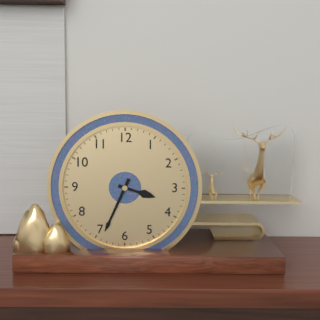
3h34
